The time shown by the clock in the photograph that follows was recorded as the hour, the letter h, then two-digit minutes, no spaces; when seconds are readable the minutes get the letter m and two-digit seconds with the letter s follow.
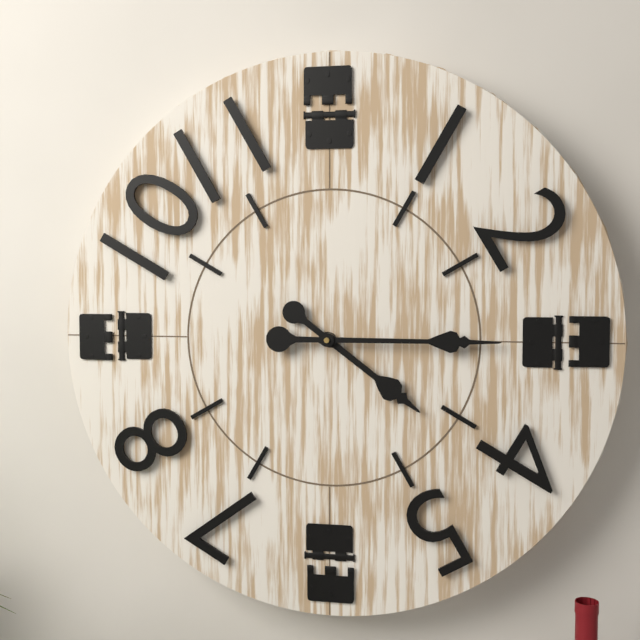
4h15
